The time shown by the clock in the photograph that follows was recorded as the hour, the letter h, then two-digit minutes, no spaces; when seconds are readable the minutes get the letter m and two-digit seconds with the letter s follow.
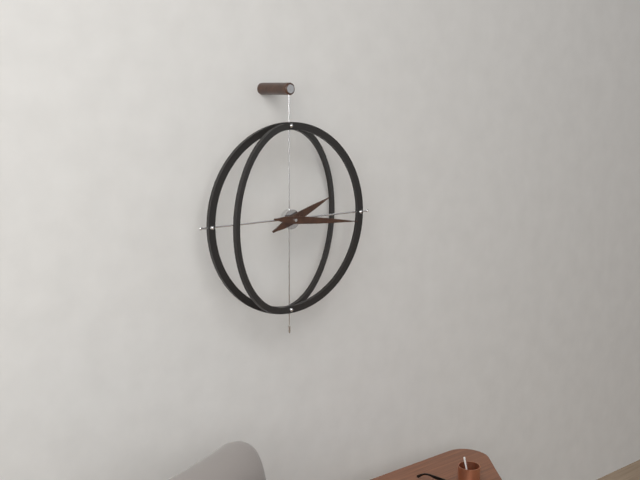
2h16
